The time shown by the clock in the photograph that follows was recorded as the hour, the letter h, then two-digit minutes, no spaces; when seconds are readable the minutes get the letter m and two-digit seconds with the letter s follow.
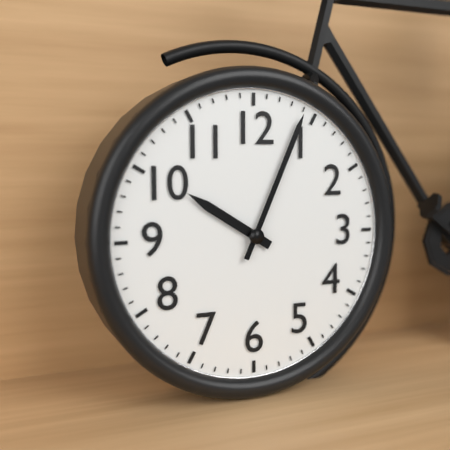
10h04
